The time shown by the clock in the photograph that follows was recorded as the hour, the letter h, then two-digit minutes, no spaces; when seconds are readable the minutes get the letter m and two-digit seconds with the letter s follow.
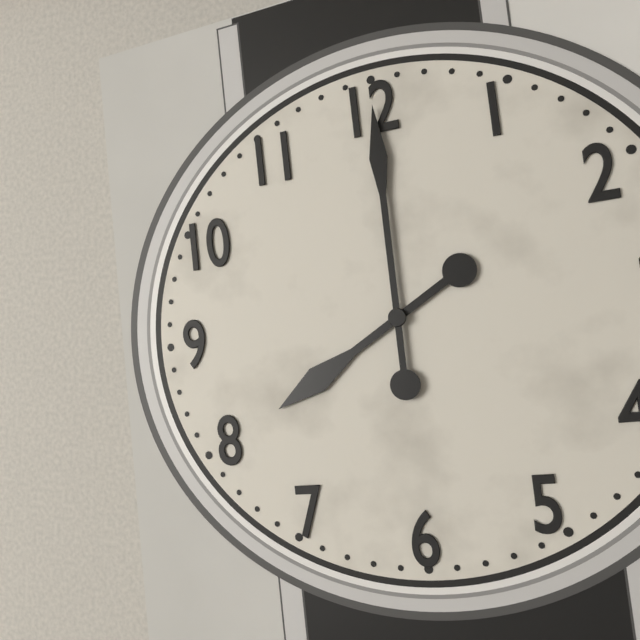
8h00
